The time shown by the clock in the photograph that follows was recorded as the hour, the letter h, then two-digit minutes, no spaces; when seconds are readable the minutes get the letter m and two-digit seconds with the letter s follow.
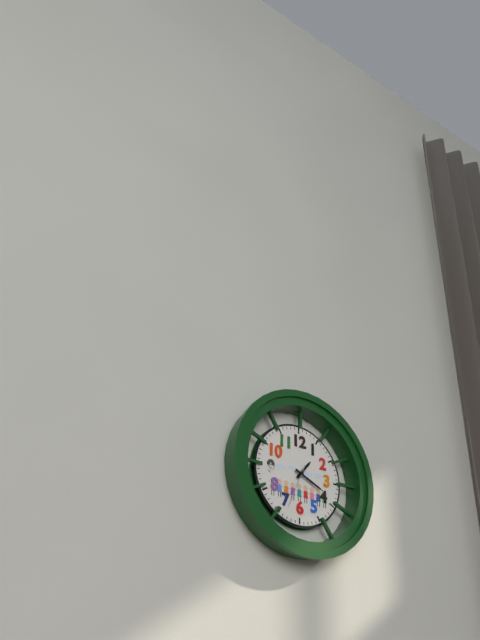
1h19
